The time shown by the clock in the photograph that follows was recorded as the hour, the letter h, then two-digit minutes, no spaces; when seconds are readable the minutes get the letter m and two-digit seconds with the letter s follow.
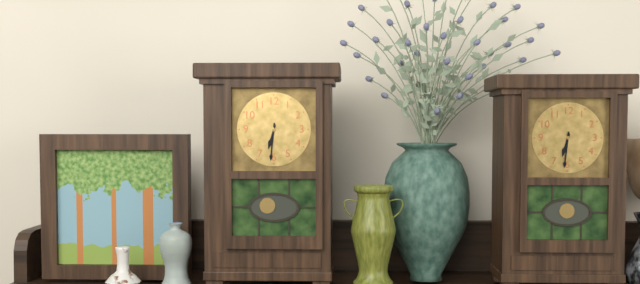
6h31
